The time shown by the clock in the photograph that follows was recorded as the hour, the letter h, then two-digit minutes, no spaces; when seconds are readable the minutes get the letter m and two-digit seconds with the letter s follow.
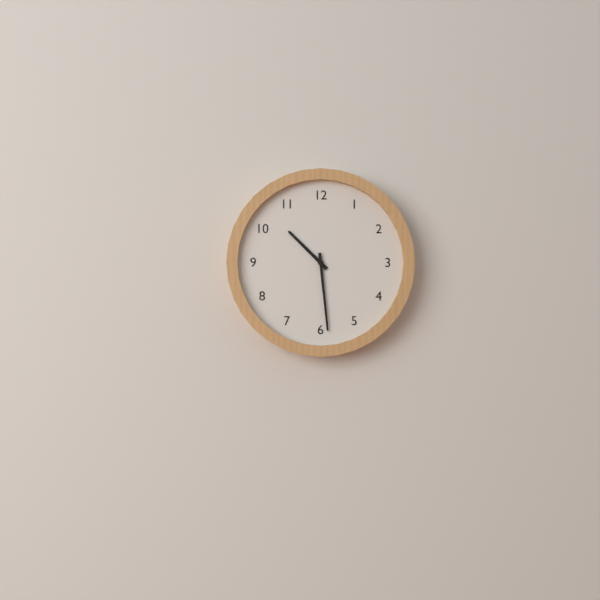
10h29
